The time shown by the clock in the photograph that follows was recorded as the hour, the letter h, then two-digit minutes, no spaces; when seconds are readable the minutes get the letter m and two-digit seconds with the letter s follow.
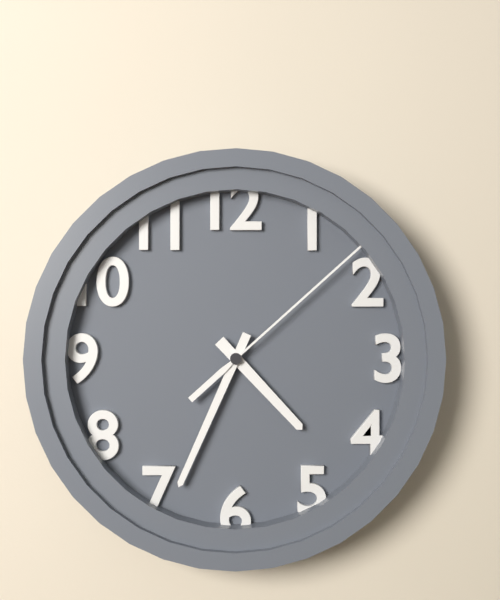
4h34m08s
